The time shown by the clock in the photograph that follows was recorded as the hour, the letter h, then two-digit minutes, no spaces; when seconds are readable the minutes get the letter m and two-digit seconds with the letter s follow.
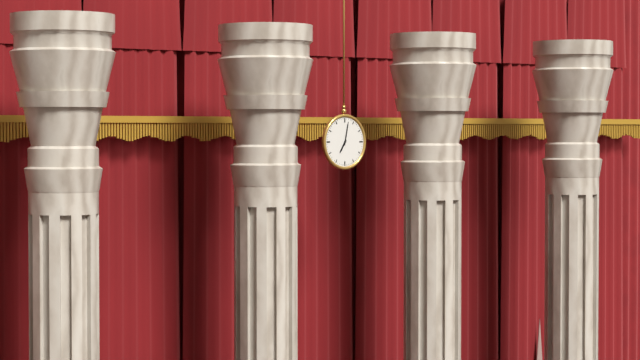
7h02
